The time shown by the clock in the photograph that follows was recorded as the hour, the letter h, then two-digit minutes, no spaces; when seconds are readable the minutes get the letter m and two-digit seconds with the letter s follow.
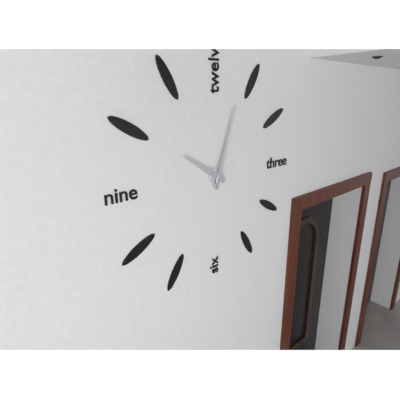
10h03
